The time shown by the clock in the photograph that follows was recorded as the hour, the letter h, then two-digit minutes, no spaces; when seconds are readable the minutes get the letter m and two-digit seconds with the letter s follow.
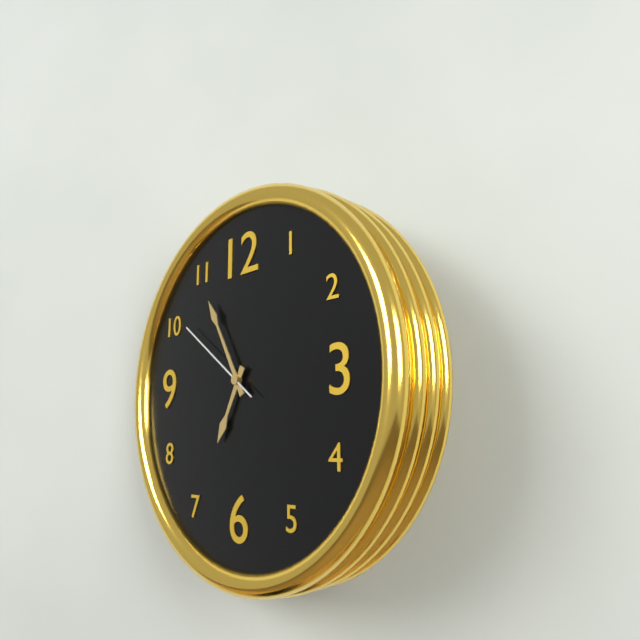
6h55m51s
